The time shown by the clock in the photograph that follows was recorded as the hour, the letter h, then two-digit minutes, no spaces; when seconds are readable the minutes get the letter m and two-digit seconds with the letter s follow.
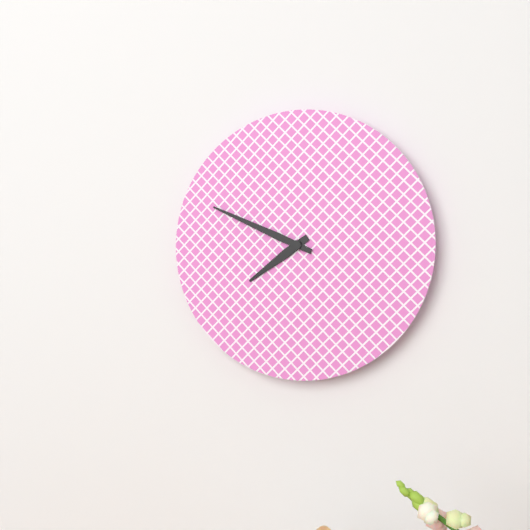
7h49
